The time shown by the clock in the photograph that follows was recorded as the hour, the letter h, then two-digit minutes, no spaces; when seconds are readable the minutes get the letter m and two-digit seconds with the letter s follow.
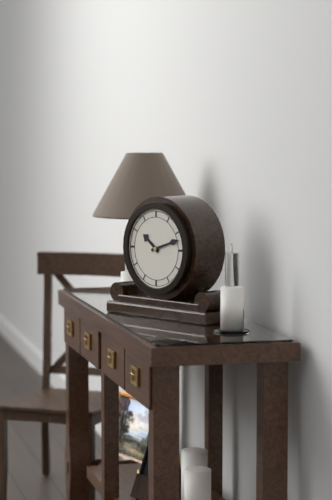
10h12
